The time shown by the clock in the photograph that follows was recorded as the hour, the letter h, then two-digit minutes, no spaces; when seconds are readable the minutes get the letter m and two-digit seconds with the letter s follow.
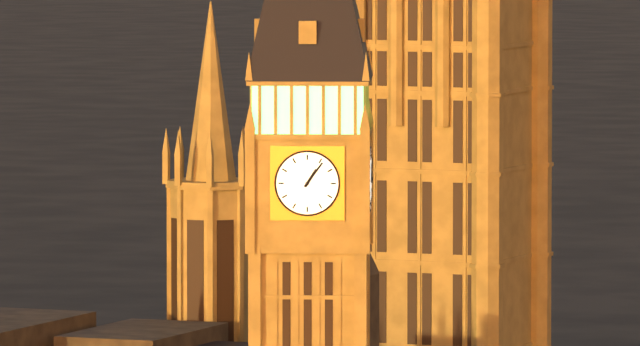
1h06
